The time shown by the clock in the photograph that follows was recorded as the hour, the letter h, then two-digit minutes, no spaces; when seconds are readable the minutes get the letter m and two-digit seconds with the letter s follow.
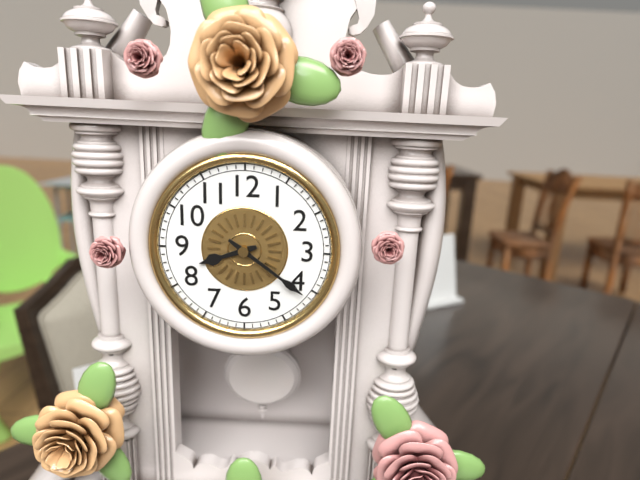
8h21
